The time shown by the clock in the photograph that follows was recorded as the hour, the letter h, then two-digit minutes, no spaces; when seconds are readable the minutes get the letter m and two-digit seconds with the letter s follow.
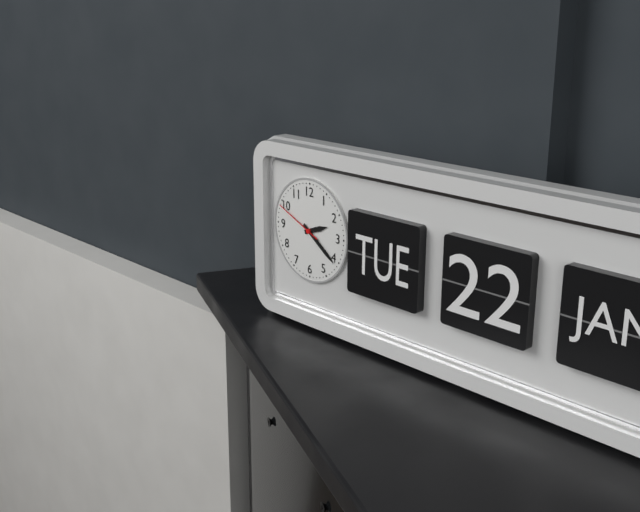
2h21
